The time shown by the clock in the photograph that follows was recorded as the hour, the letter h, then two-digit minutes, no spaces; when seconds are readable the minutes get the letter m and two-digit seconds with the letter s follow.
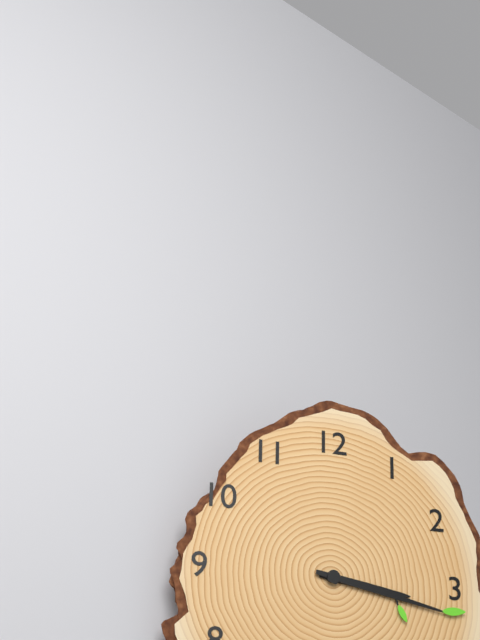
3h17
